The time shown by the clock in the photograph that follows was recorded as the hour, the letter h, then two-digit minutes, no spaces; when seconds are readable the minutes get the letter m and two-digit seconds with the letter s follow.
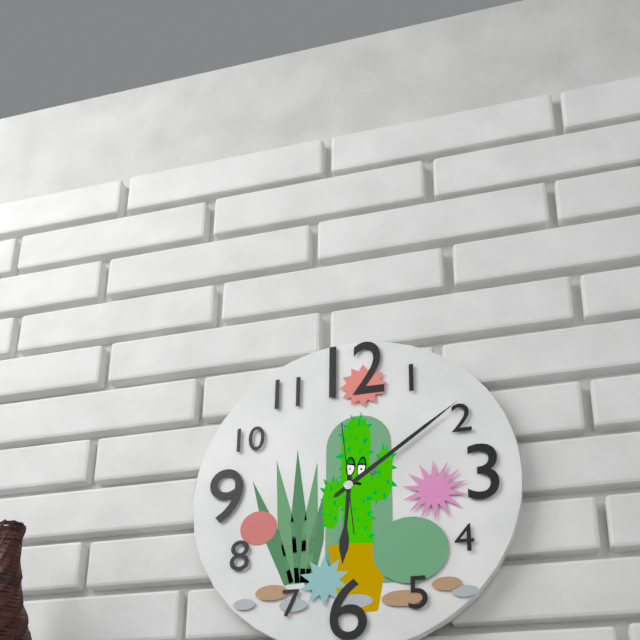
6h09m59s
